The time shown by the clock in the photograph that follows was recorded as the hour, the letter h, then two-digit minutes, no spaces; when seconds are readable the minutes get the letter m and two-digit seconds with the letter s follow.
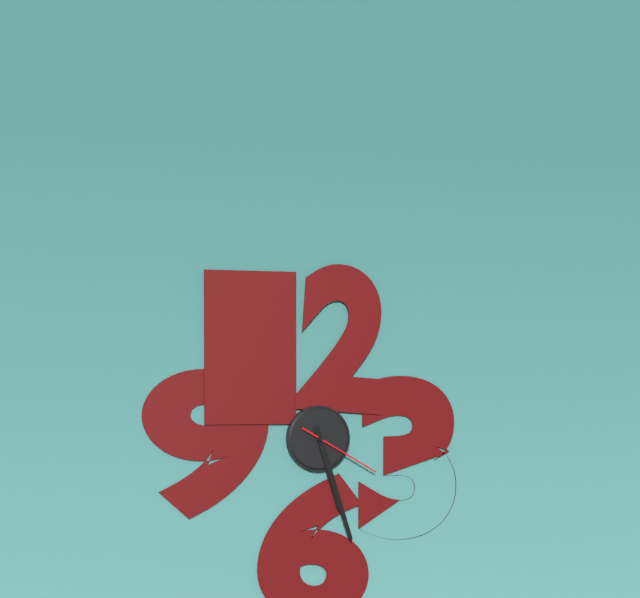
5h27m20s
